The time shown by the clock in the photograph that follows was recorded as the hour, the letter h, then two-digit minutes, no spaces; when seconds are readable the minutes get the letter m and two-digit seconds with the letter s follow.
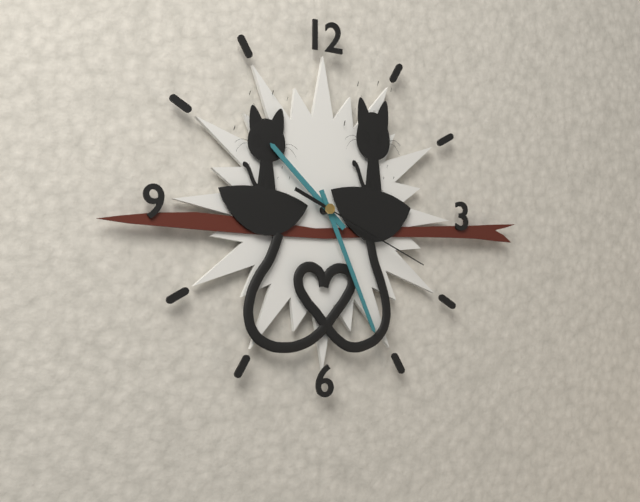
10h26m19s
